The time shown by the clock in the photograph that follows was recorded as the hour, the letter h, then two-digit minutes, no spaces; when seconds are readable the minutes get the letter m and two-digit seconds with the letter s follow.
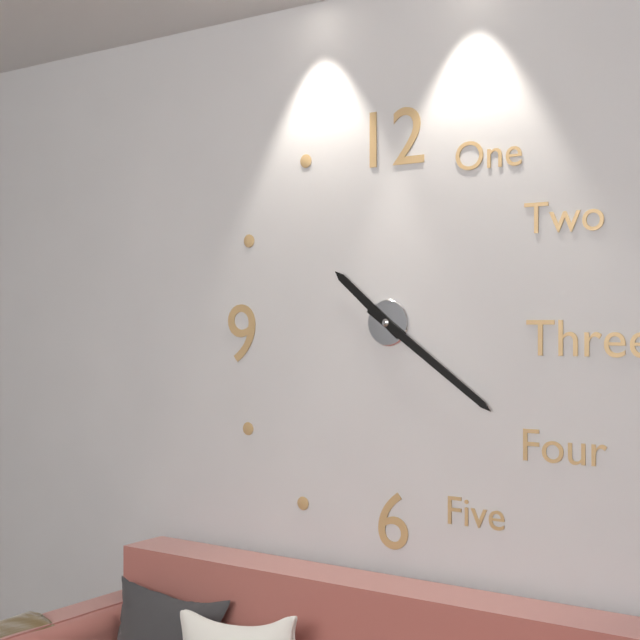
10h21
